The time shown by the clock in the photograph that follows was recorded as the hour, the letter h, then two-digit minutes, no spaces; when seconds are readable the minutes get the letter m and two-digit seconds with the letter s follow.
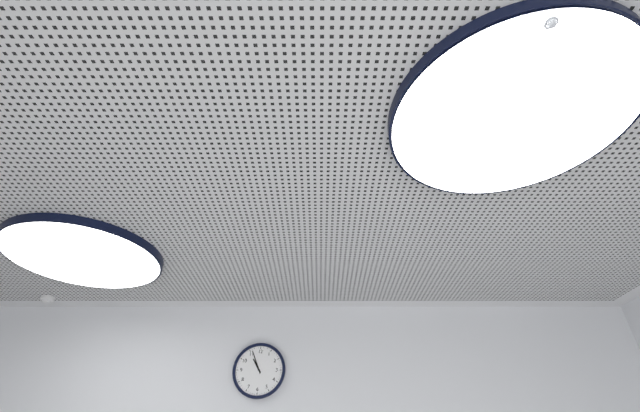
10h56
